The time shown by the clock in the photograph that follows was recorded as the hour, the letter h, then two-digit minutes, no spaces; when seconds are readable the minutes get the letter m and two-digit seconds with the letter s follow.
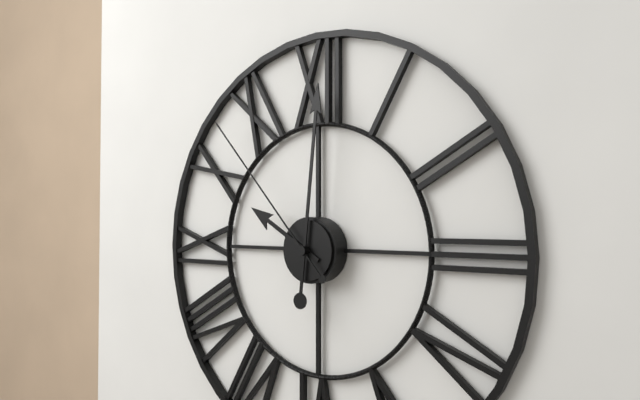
10h01m53s
